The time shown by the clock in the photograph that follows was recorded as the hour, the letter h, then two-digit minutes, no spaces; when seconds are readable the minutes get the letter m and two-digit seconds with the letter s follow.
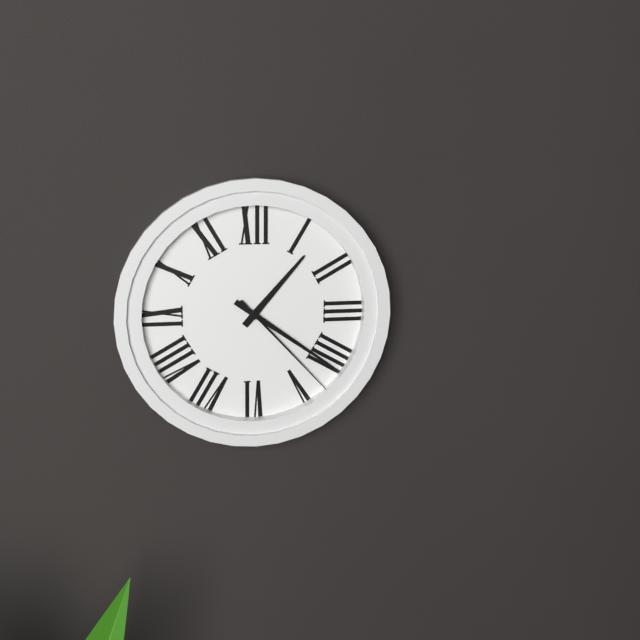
1h21m23s
